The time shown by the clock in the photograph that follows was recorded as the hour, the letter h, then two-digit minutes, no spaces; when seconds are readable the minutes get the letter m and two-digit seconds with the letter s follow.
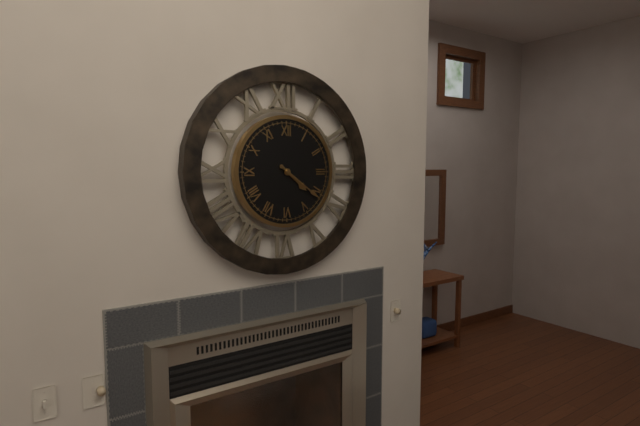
4h21
